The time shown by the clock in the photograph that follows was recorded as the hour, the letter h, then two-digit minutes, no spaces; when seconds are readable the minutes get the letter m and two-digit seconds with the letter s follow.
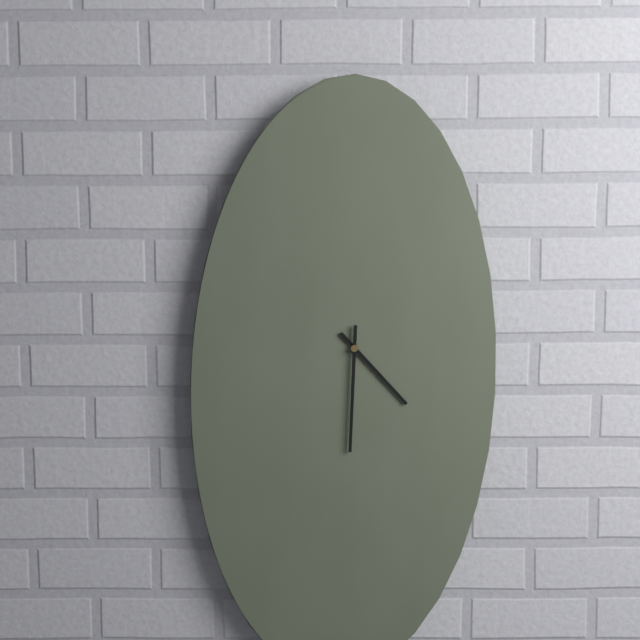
4h30
